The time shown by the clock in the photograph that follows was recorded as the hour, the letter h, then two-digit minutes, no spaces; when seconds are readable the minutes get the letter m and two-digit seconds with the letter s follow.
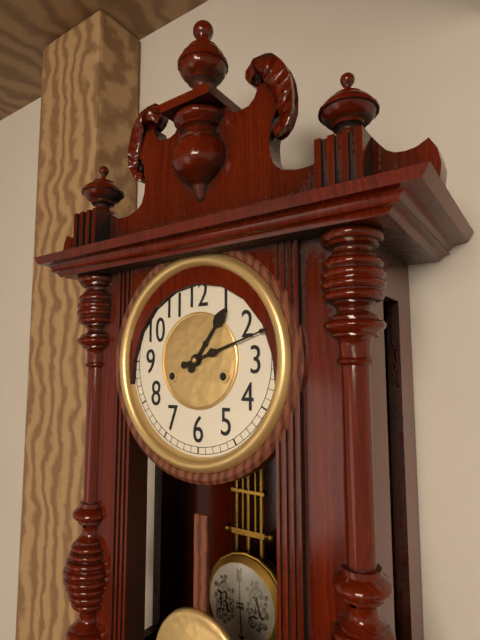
1h12
